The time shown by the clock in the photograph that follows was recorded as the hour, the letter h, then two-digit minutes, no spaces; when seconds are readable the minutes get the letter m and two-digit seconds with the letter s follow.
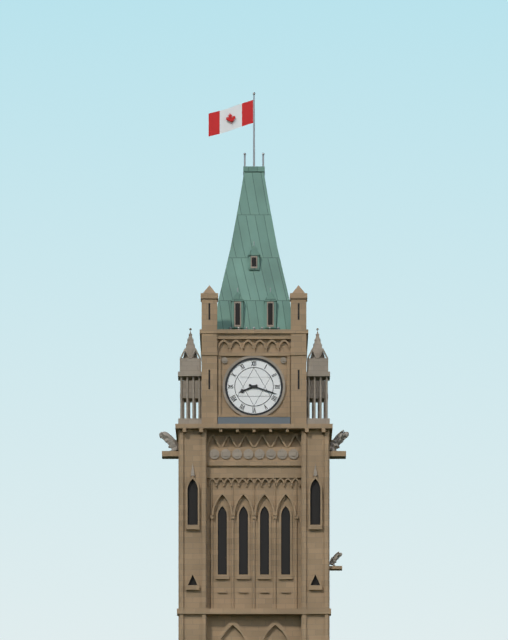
8h18
